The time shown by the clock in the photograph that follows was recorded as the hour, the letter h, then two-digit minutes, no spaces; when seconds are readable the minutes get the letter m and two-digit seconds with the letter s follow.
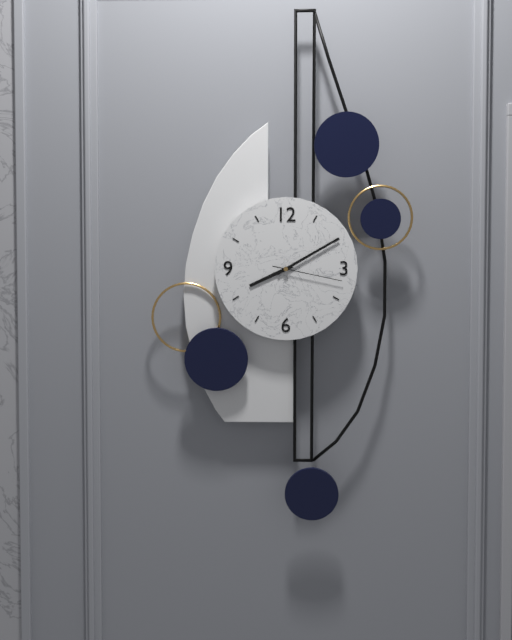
8h10m17s
